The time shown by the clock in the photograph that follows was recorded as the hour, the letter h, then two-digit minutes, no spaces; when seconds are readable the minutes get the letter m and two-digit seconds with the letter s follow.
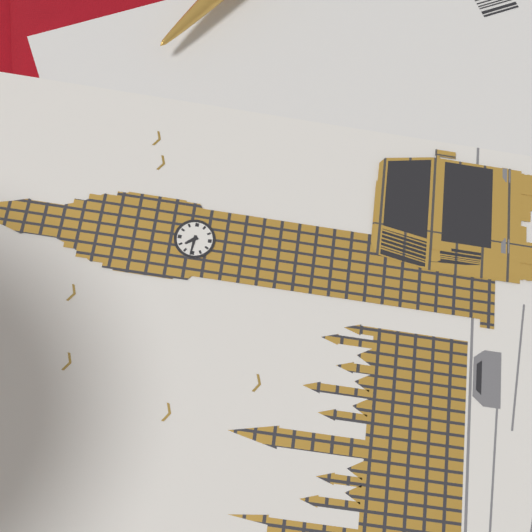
10h46
